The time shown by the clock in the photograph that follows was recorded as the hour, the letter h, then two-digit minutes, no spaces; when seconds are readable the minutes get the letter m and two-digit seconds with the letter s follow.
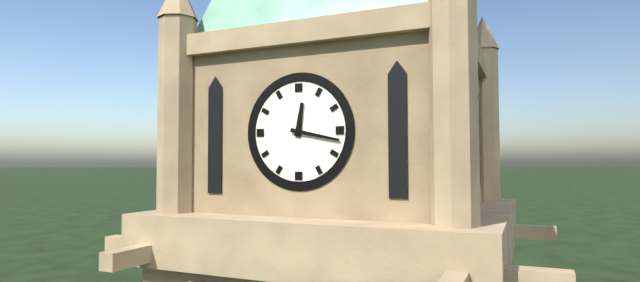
12h17
